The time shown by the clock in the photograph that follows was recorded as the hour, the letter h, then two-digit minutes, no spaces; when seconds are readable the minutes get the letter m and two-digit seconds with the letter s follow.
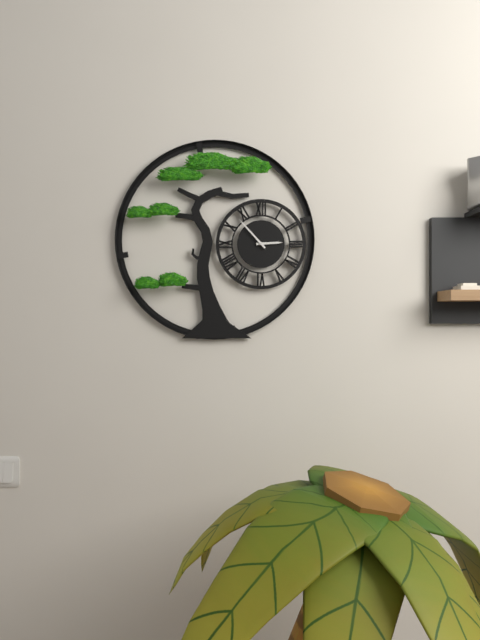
2h53
